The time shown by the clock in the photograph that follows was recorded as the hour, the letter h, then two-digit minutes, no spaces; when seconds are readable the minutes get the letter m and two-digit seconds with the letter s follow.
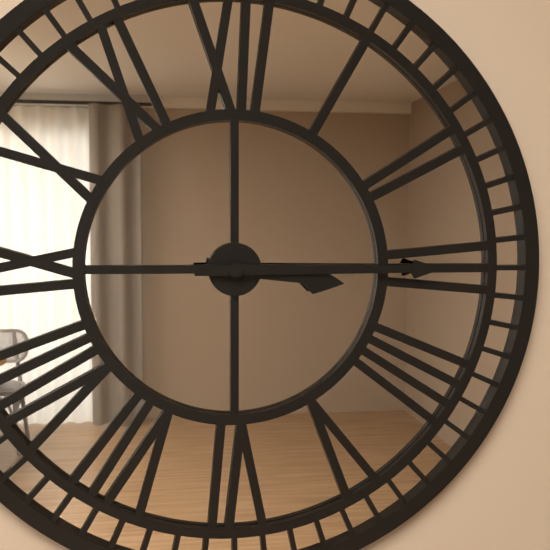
3h15
